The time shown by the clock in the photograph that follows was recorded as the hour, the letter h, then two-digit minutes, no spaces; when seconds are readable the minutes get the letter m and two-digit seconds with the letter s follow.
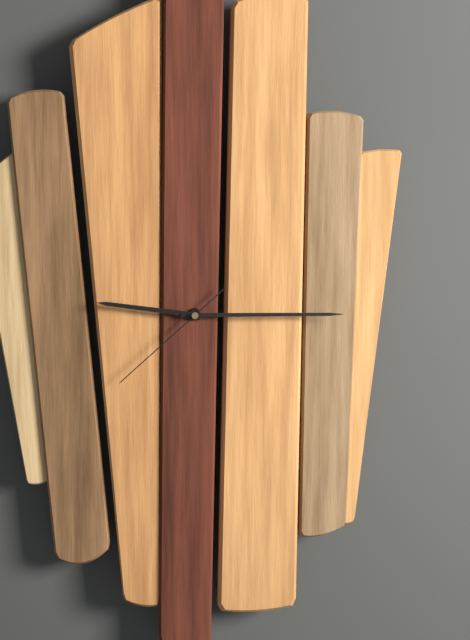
9h15m38s
